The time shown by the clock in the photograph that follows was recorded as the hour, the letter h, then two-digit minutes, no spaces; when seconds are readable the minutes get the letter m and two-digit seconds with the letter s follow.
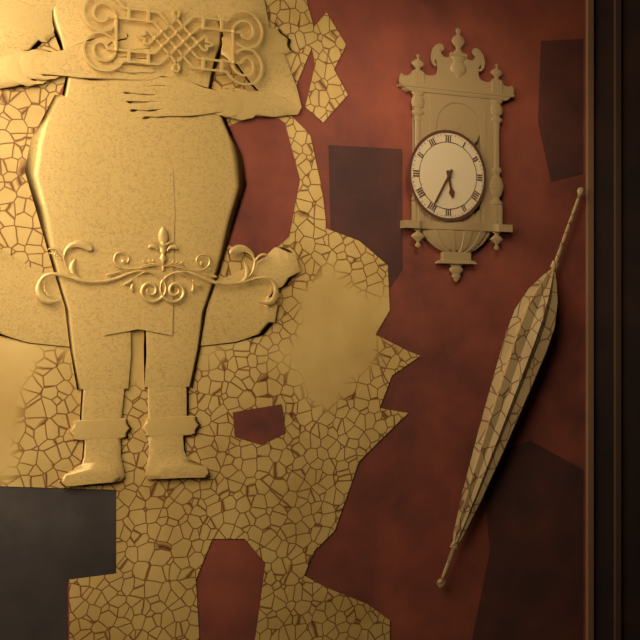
5h35
